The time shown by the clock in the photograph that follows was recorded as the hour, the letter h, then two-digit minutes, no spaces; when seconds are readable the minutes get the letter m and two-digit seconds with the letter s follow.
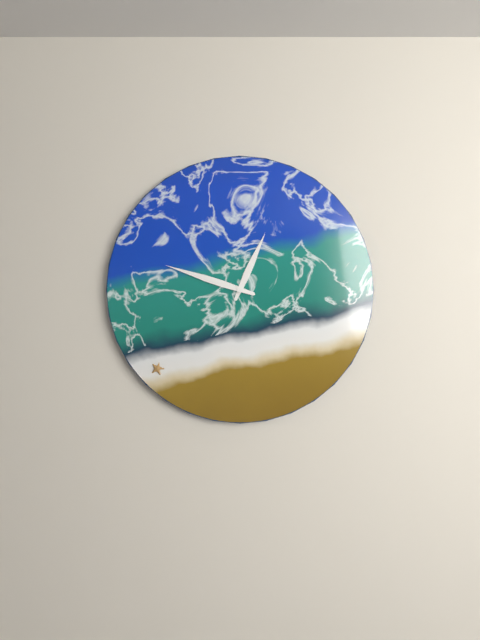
12h48
